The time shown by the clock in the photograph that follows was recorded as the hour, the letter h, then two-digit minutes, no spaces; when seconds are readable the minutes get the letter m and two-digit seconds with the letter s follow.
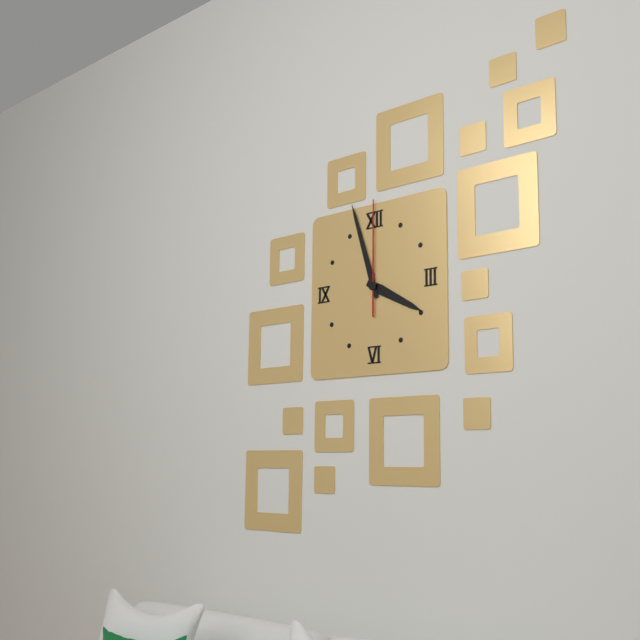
3h57m00s
